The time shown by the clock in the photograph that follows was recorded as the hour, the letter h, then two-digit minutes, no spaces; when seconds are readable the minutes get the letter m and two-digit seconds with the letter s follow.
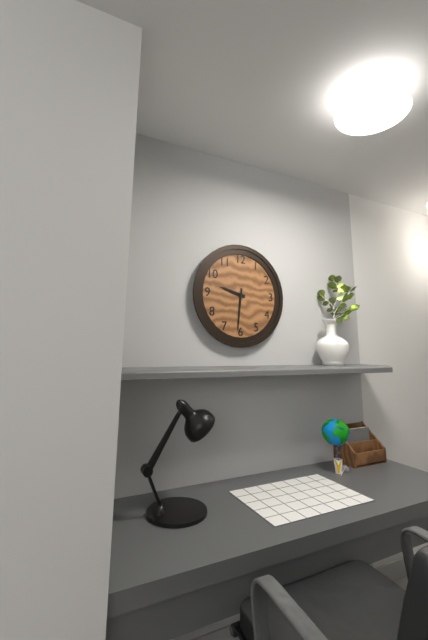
9h31
